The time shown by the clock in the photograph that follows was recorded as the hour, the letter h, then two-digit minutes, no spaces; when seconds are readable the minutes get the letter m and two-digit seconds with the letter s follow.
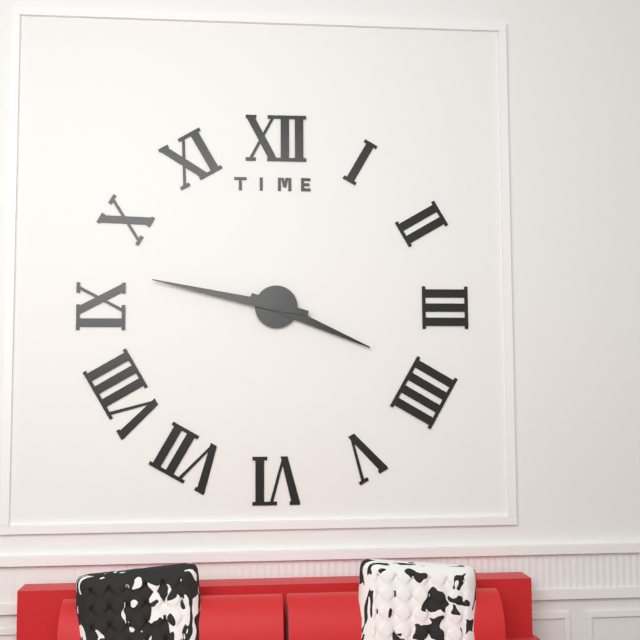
3h47
